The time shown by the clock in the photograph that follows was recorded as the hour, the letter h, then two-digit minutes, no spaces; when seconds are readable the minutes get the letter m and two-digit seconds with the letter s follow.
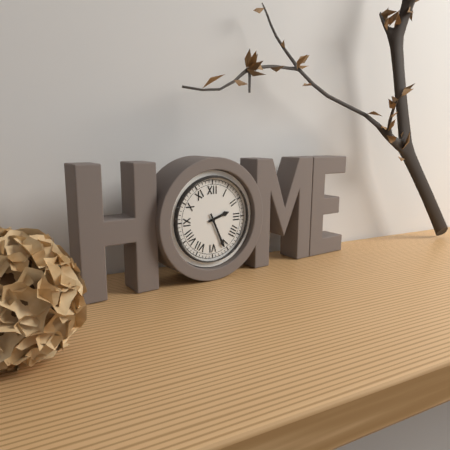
2h26
